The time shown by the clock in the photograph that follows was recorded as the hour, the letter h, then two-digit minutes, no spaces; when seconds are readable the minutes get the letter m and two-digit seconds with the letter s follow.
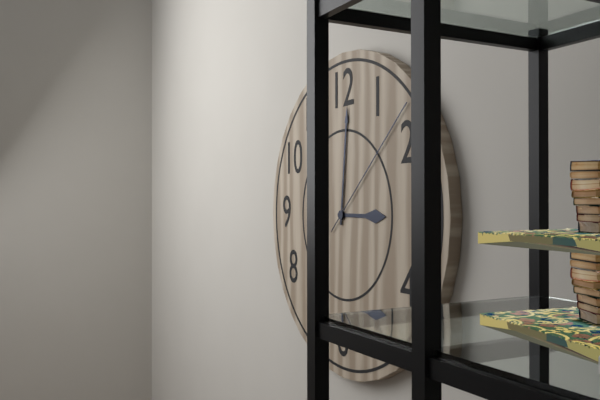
3h01m08s
